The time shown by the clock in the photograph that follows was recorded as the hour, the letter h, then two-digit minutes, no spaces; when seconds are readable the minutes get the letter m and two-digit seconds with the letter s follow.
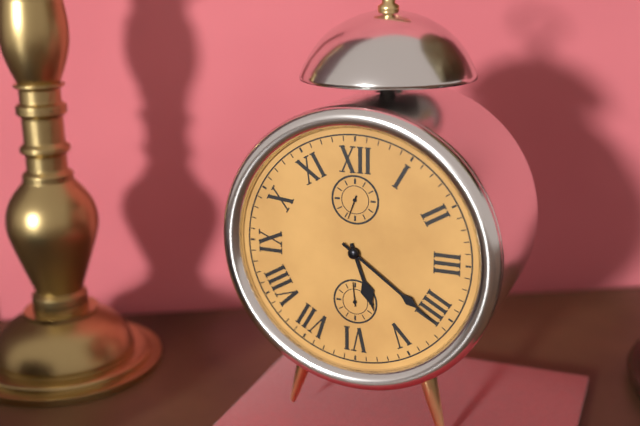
5h21
